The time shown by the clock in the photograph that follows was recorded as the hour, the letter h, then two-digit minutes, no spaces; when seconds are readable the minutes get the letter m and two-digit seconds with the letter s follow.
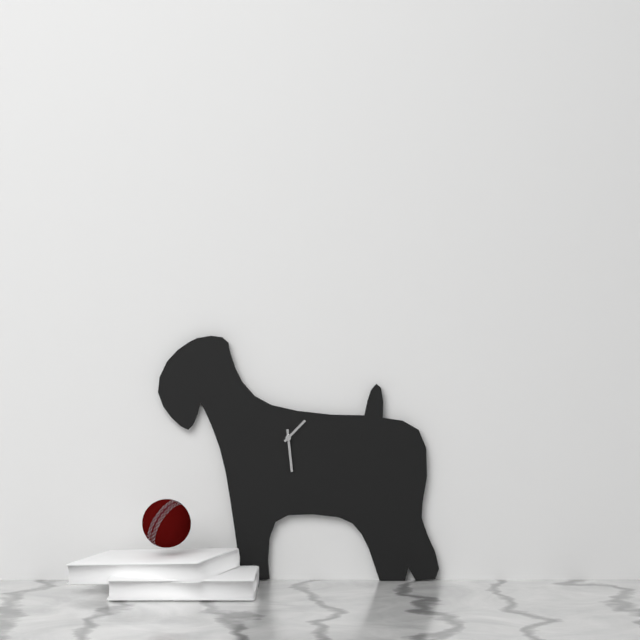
1h29
